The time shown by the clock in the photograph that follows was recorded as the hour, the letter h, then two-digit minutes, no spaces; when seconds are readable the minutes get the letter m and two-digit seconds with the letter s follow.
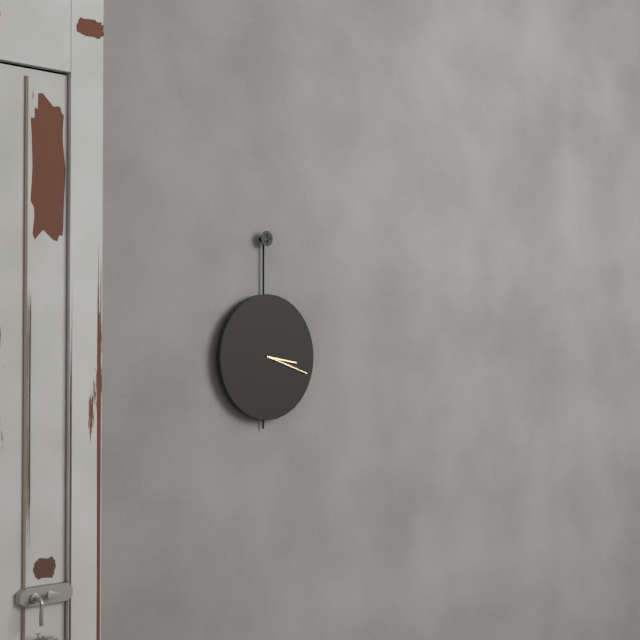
3h18
